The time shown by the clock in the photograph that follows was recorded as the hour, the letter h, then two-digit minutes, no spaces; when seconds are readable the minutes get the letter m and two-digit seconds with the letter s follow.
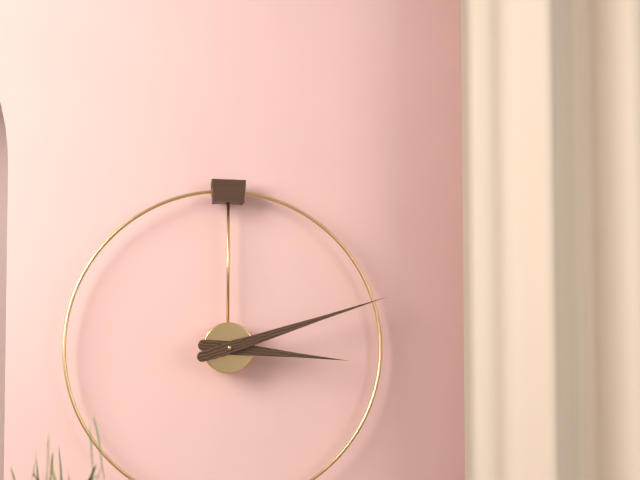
3h12
